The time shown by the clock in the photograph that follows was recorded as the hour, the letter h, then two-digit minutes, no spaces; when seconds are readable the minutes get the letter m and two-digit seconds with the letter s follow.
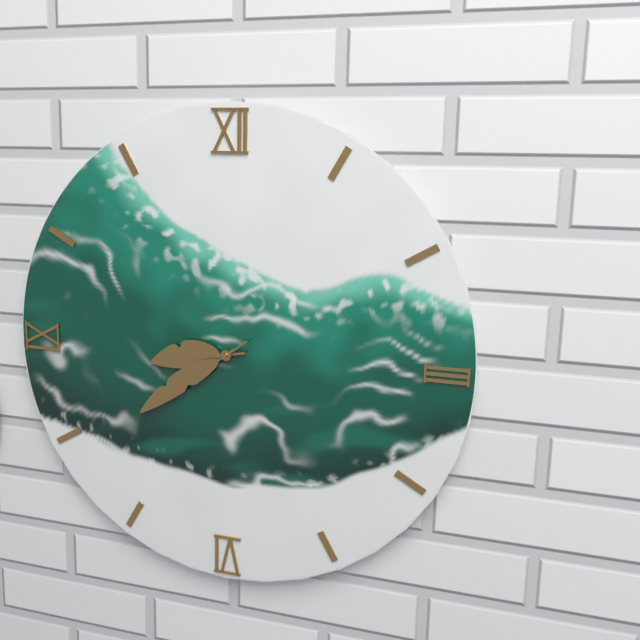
8h39
